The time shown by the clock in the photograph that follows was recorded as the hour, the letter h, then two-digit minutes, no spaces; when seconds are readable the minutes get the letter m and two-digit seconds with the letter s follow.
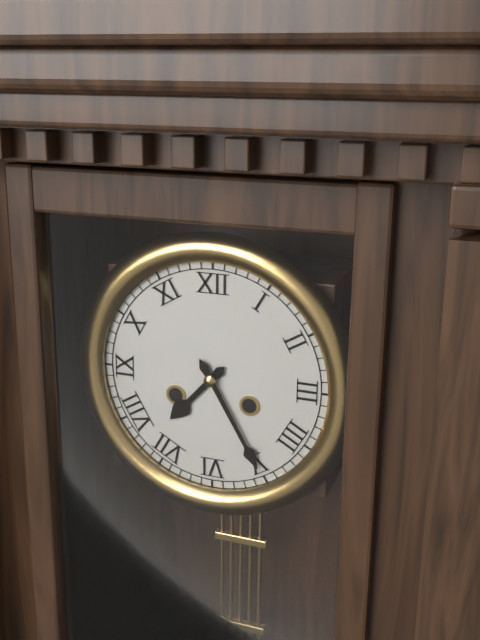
7h25
